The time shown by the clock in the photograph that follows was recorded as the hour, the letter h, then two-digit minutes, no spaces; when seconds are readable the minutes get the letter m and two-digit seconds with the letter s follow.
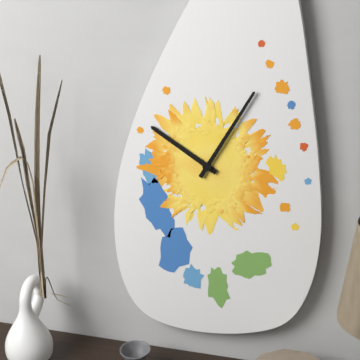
10h05
